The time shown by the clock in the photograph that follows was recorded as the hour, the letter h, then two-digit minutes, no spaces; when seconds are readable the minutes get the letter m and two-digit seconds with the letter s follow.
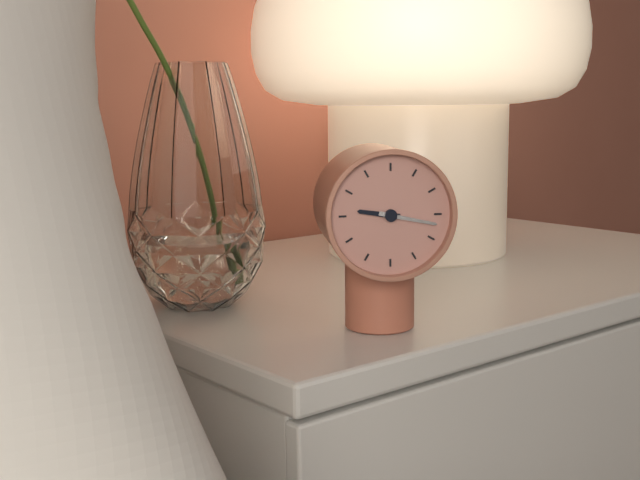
9h17
